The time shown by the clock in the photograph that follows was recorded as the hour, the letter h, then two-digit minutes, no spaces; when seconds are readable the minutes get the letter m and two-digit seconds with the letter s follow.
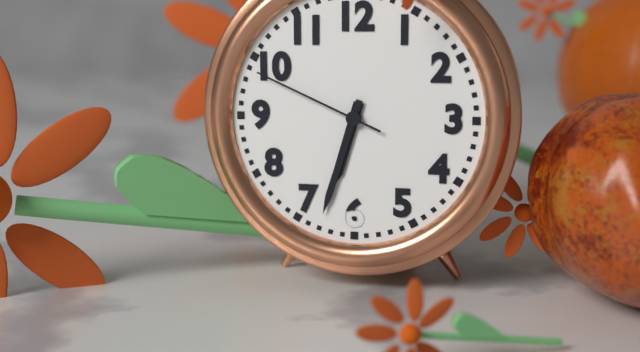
6h33m49s
